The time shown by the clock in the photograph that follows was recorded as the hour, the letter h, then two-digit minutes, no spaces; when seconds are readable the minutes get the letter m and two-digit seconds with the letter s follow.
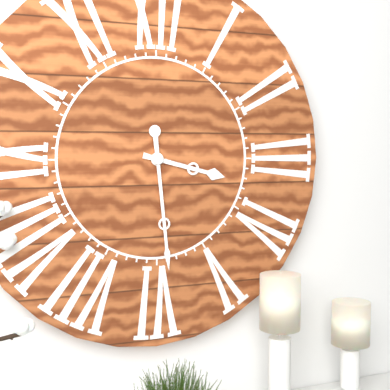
3h29
